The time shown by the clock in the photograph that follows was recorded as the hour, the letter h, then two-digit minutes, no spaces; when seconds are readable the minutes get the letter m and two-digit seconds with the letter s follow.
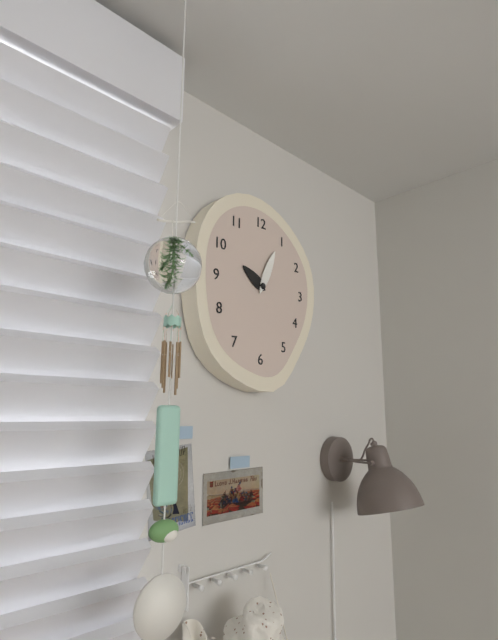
10h04
